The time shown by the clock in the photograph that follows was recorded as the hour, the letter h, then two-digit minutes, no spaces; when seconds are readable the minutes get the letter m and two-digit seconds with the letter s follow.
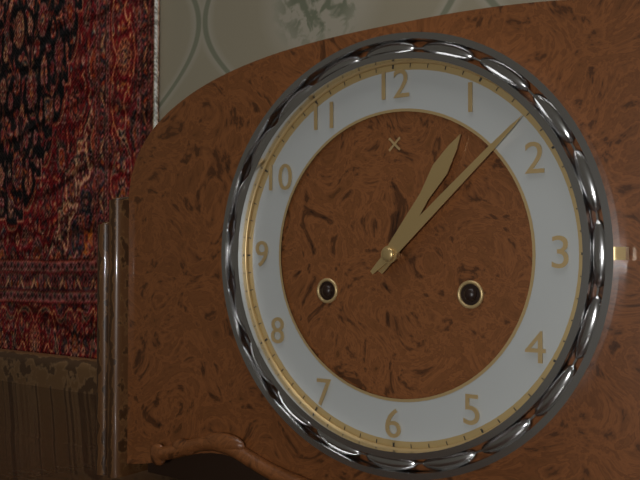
1h08
